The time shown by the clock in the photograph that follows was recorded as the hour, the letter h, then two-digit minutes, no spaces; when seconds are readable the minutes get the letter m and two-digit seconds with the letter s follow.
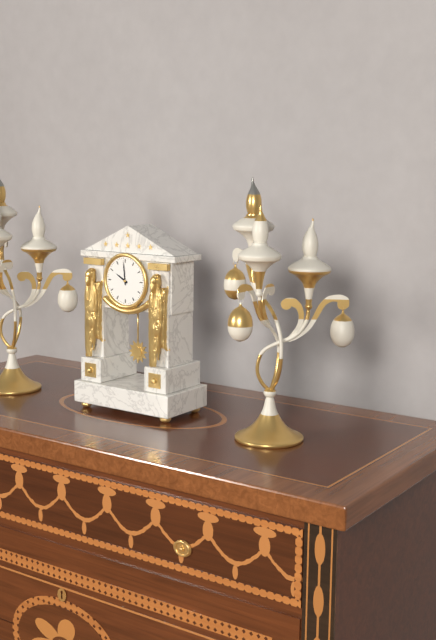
9h59
